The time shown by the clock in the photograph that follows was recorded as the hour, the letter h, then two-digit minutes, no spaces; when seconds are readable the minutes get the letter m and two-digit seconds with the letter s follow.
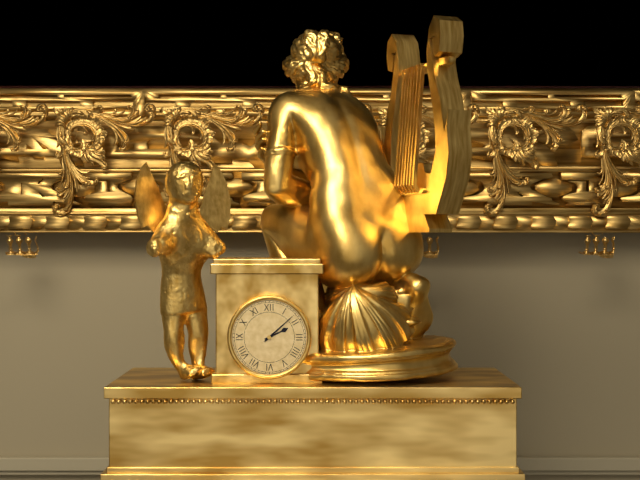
2h08
